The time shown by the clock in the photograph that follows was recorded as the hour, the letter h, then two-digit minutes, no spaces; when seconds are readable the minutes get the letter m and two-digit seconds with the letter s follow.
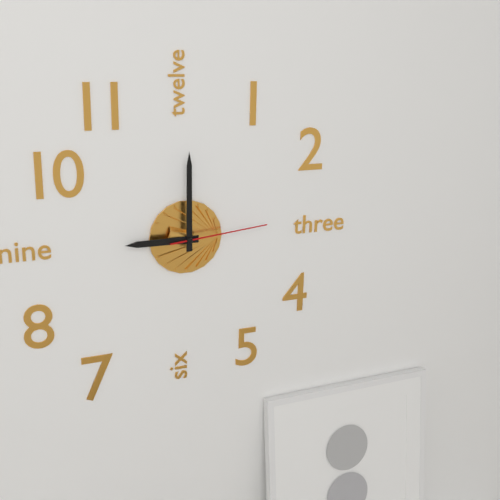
9h00m14s
